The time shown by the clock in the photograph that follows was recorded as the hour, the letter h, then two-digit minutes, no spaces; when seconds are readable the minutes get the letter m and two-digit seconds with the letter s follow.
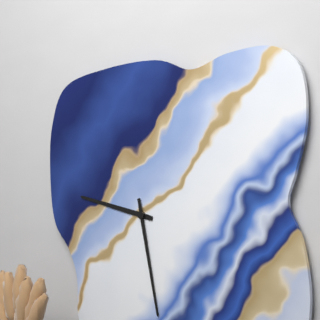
9h28
